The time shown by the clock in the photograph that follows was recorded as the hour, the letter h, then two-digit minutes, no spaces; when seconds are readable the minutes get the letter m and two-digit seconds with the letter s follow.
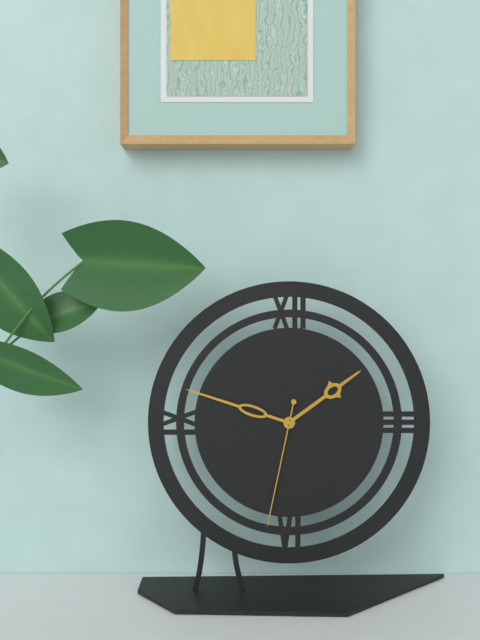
1h48m32s
